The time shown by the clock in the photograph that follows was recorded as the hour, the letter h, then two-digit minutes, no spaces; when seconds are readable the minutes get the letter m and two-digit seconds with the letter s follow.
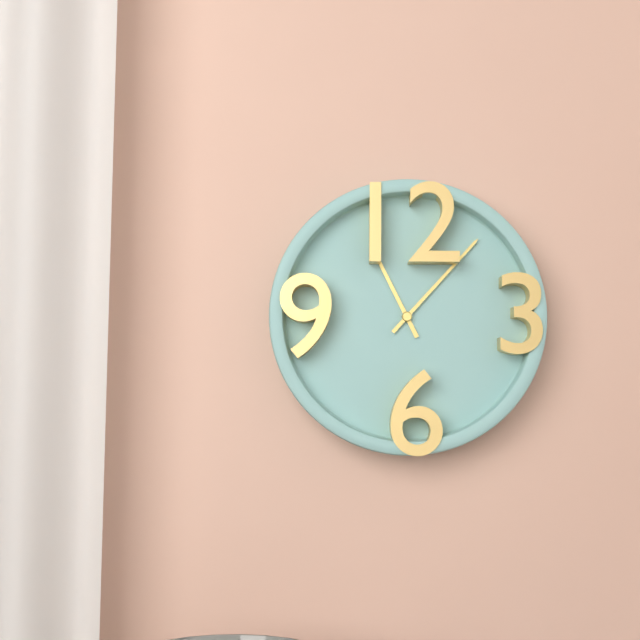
11h07
